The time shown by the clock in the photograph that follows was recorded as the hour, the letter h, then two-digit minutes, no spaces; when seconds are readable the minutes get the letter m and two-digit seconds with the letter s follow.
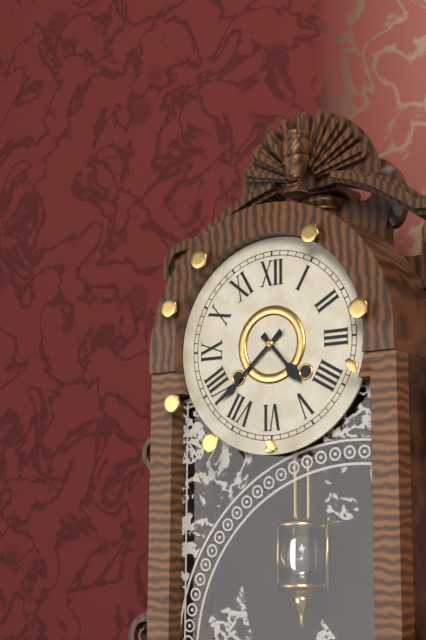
4h38
